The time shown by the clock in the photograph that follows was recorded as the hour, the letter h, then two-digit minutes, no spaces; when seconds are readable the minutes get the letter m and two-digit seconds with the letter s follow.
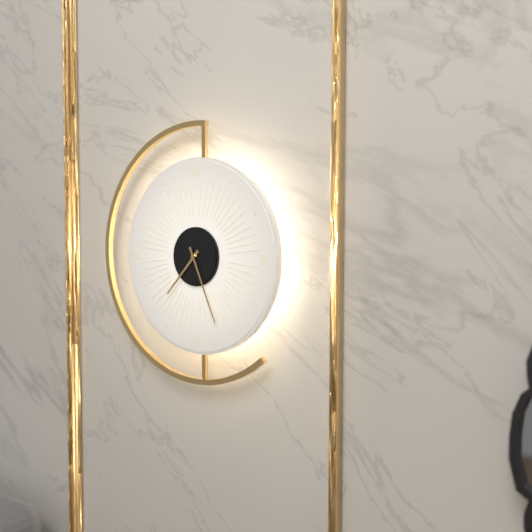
7h26
